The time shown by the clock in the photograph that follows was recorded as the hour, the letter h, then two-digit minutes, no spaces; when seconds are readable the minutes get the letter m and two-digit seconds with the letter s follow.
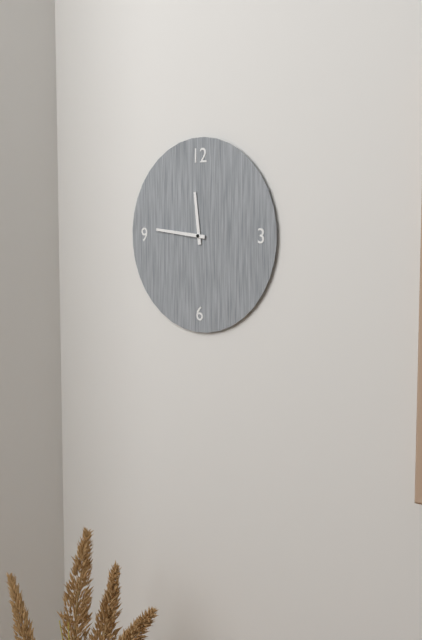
11h46
